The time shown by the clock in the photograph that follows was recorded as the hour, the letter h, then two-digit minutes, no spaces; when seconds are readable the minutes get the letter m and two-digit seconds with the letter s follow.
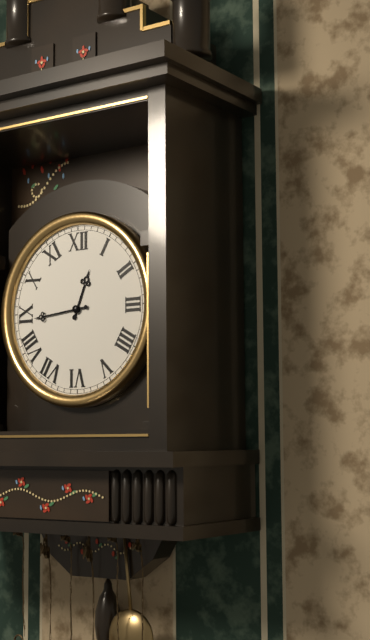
12h44
